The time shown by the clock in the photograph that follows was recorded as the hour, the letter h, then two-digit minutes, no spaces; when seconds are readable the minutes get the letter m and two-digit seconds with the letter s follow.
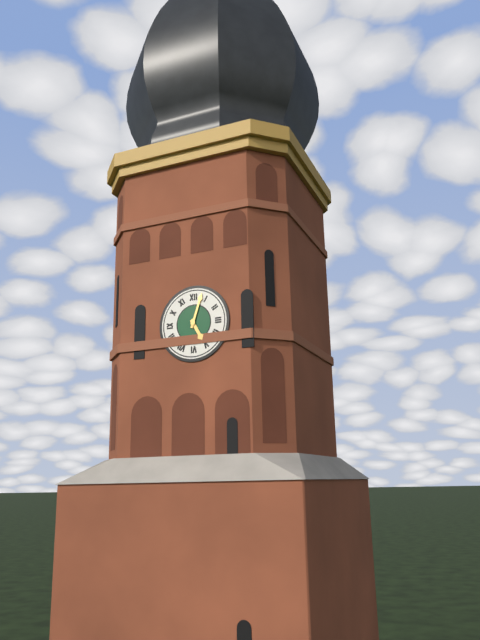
5h03
